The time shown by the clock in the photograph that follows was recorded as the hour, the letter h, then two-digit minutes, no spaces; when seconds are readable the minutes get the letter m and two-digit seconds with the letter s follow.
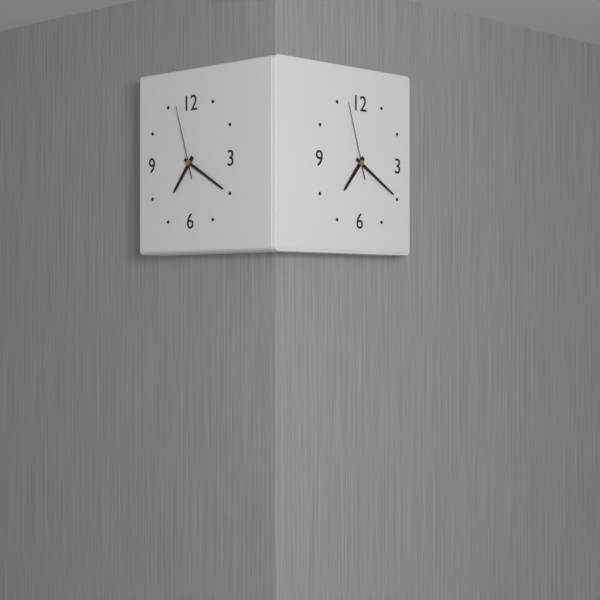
7h20m57s
